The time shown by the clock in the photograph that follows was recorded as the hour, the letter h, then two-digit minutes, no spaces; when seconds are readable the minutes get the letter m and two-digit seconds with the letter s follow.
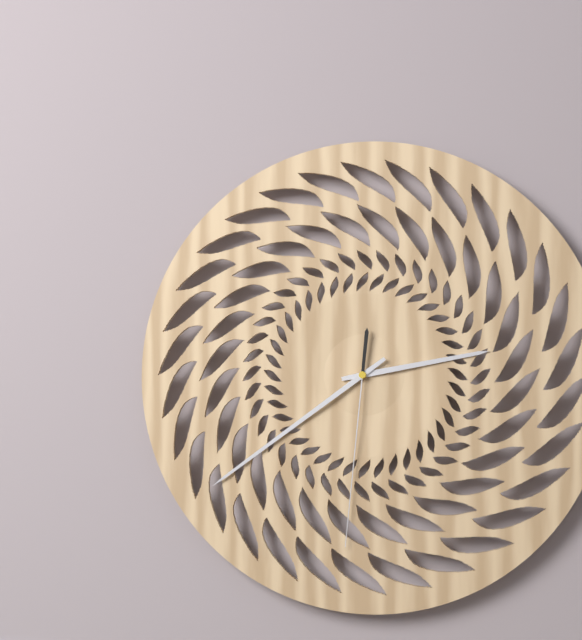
2h39m31s
